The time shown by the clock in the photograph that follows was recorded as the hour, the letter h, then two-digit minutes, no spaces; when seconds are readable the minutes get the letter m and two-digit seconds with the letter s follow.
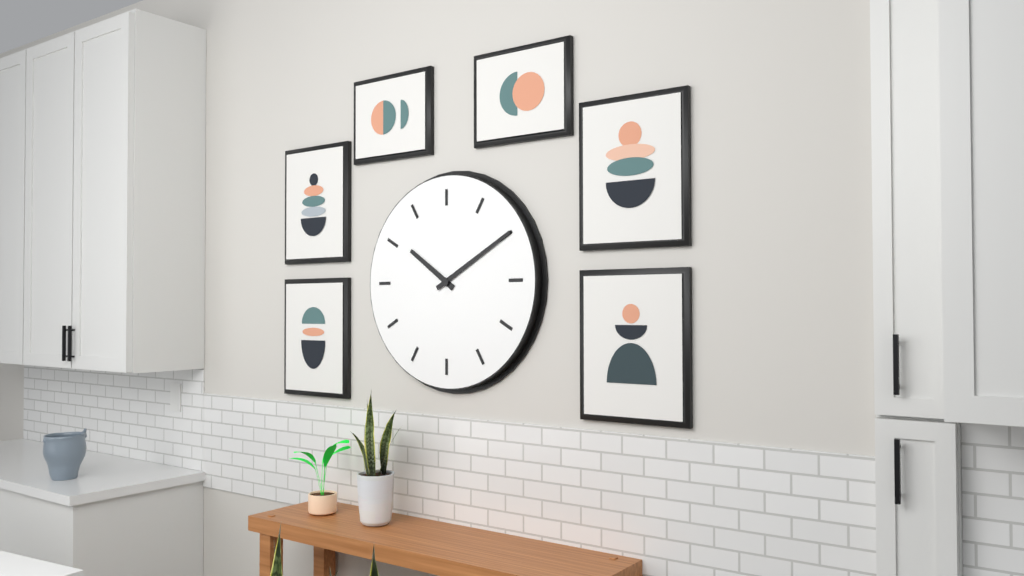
10h10
